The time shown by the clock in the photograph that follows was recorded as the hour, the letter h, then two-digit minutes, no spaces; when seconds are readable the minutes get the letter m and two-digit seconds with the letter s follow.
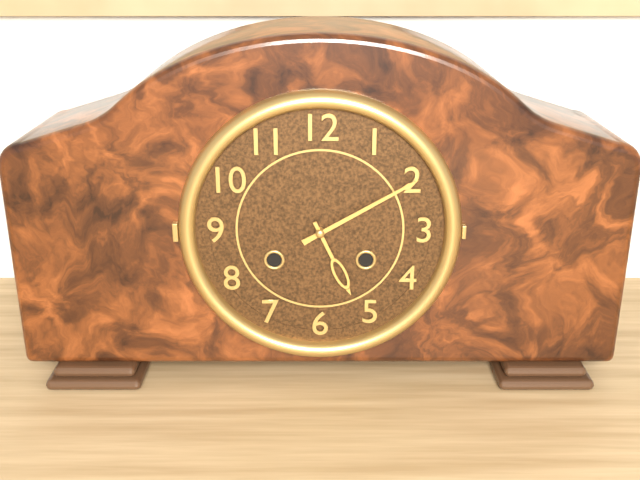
5h10
